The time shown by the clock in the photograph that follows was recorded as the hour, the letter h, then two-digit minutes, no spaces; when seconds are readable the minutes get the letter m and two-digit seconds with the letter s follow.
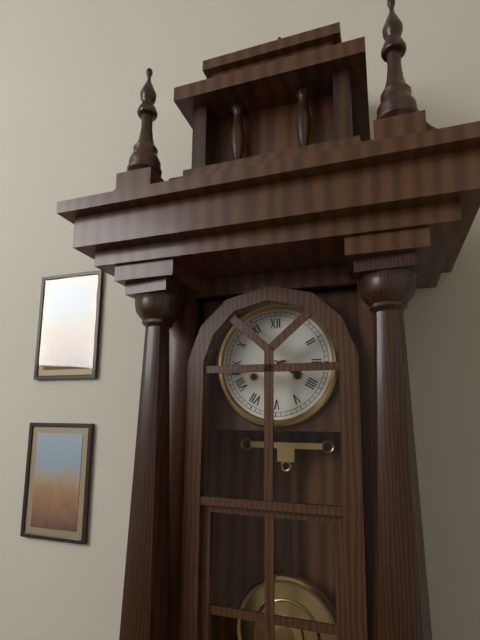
3h43
